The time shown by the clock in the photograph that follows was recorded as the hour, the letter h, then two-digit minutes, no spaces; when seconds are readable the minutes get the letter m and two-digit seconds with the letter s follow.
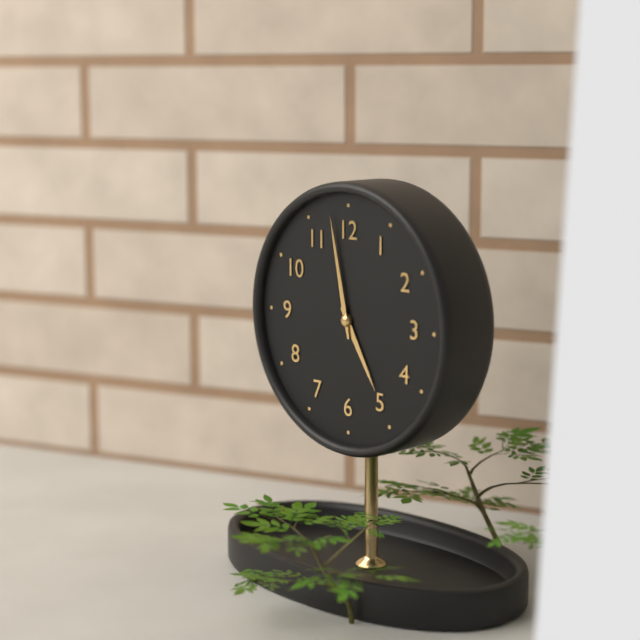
4h58
